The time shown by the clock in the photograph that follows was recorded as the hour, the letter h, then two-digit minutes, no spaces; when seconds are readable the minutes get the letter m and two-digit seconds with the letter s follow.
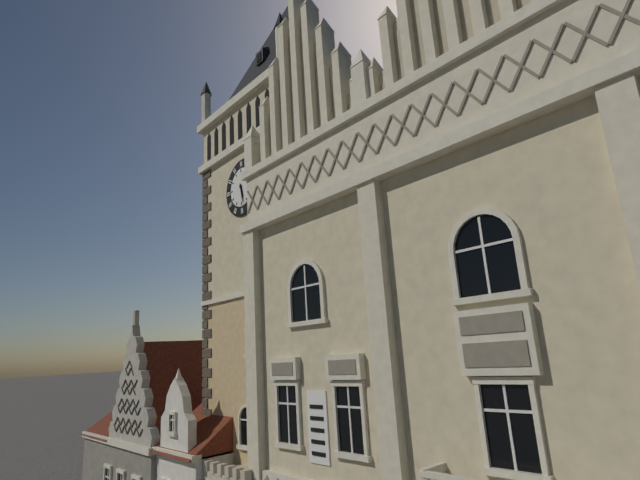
5h28
